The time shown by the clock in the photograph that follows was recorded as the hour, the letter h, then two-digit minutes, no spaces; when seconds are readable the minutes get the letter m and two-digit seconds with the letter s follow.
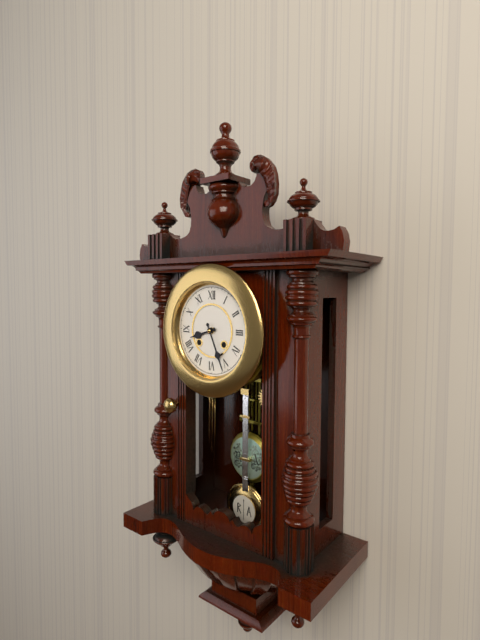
8h26
